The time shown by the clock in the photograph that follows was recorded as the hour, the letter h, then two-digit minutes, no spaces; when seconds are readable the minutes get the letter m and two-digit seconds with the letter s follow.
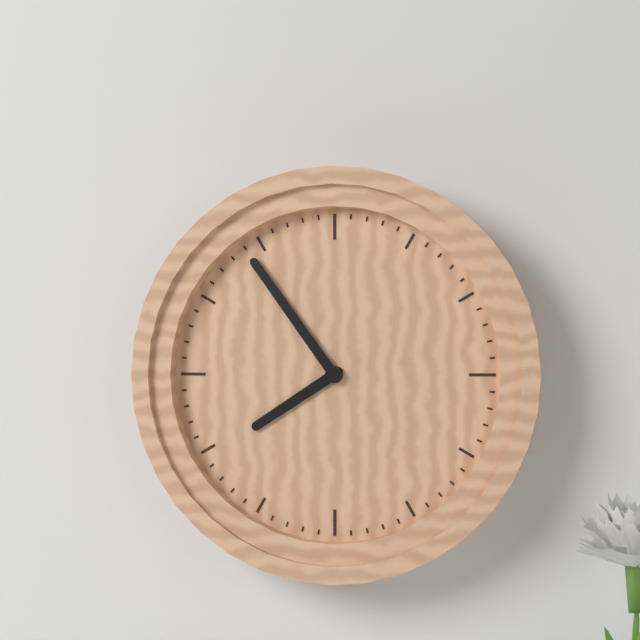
7h54
